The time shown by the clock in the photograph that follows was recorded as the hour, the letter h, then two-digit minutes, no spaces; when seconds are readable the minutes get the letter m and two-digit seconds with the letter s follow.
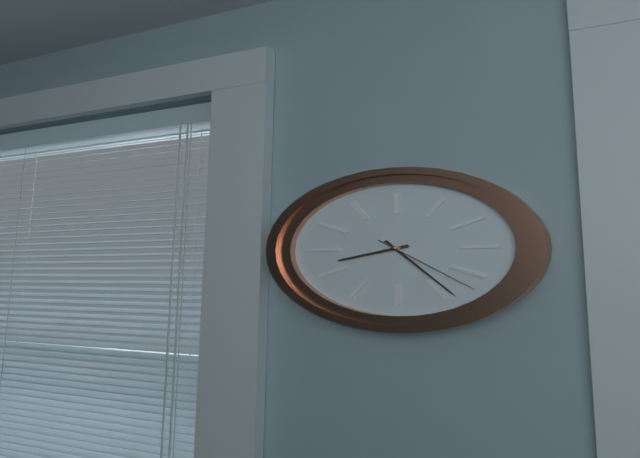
8h24m22s
